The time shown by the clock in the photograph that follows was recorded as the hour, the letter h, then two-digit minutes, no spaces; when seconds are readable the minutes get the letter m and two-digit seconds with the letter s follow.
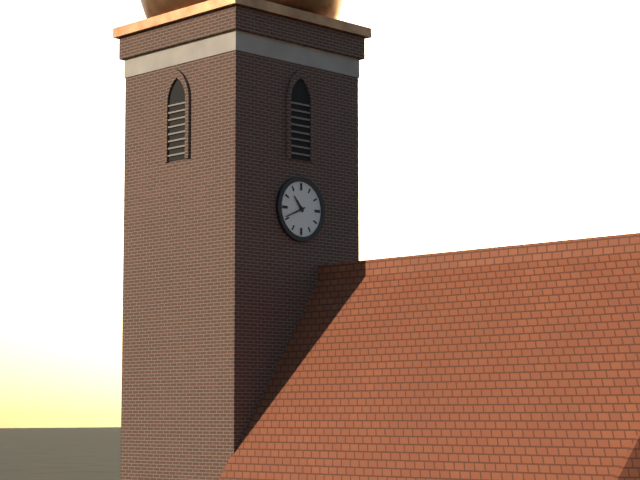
10h41
